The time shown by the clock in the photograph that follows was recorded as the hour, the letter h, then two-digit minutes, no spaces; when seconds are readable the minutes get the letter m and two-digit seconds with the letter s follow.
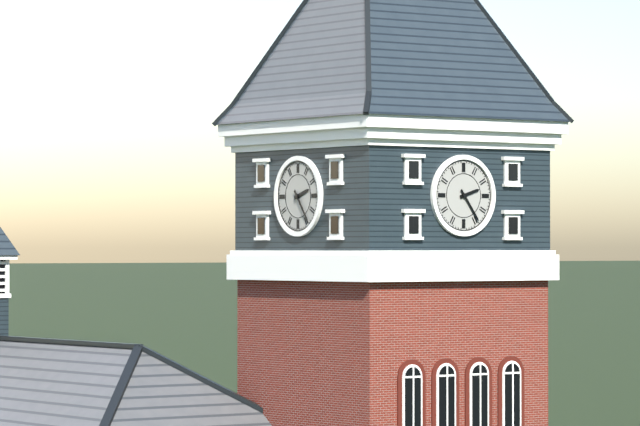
2h24
